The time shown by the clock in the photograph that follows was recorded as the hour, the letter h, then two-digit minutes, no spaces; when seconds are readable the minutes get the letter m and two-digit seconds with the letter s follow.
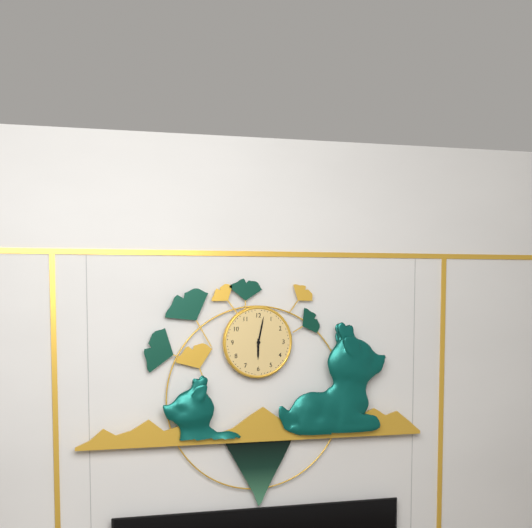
6h02
